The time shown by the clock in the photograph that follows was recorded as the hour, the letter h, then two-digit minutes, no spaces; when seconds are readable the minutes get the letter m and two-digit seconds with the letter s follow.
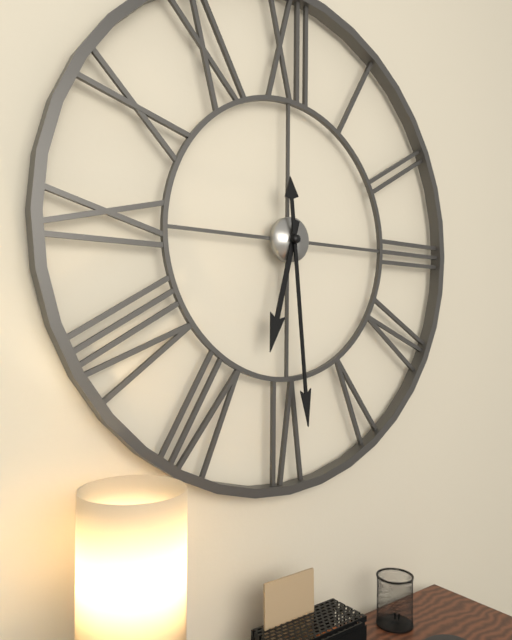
6h29
